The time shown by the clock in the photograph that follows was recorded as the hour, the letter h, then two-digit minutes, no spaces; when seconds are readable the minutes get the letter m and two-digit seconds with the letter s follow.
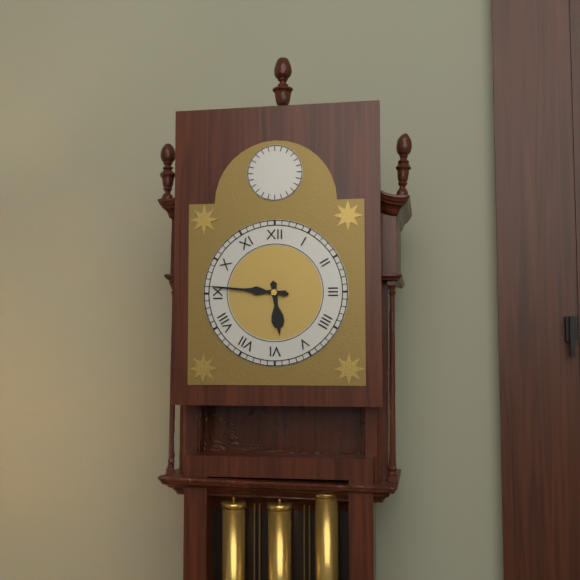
5h46
